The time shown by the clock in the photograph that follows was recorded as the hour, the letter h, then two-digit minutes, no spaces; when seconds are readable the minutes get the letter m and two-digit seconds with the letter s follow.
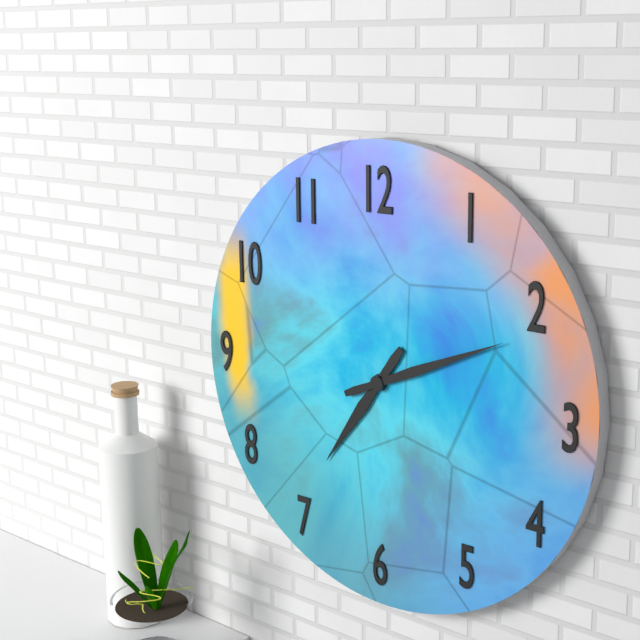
7h11
